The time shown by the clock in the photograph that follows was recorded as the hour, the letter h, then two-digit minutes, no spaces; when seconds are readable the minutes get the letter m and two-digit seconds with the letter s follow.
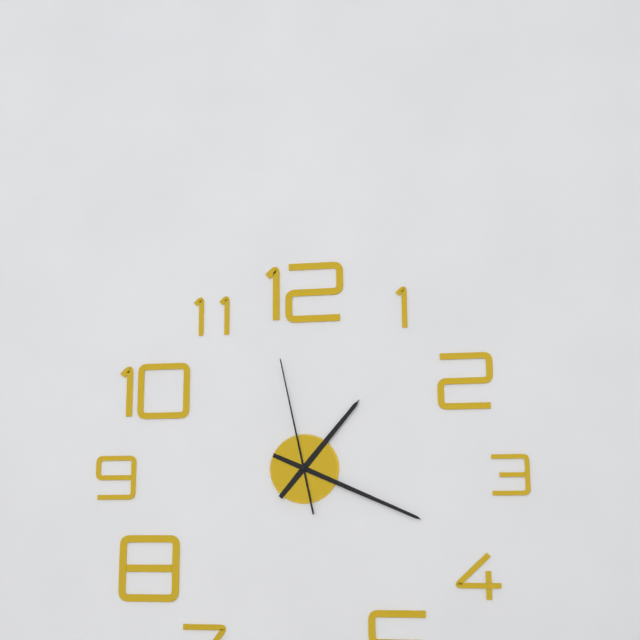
1h19m58s
